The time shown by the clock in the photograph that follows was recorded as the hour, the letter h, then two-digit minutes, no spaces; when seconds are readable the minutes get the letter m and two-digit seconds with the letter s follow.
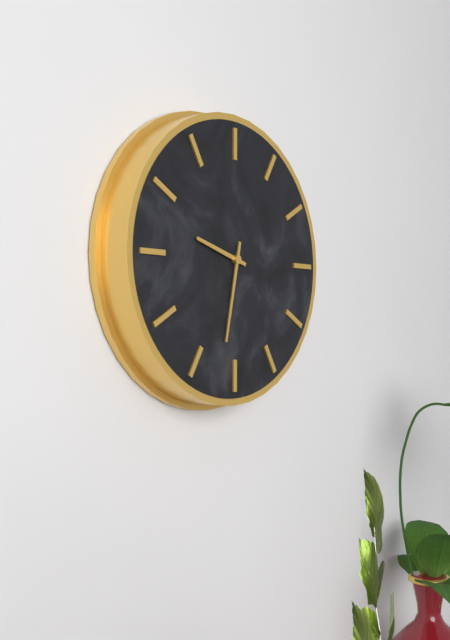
9h32
